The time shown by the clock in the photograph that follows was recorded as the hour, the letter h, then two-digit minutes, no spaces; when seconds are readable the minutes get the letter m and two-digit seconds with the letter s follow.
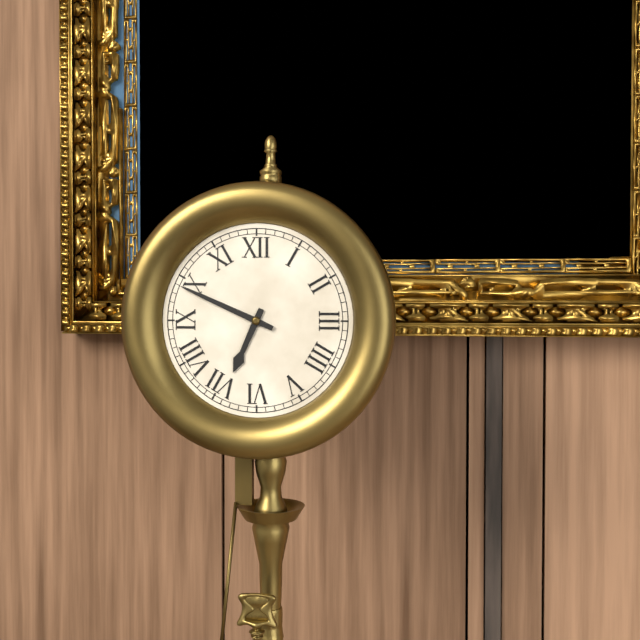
6h49
